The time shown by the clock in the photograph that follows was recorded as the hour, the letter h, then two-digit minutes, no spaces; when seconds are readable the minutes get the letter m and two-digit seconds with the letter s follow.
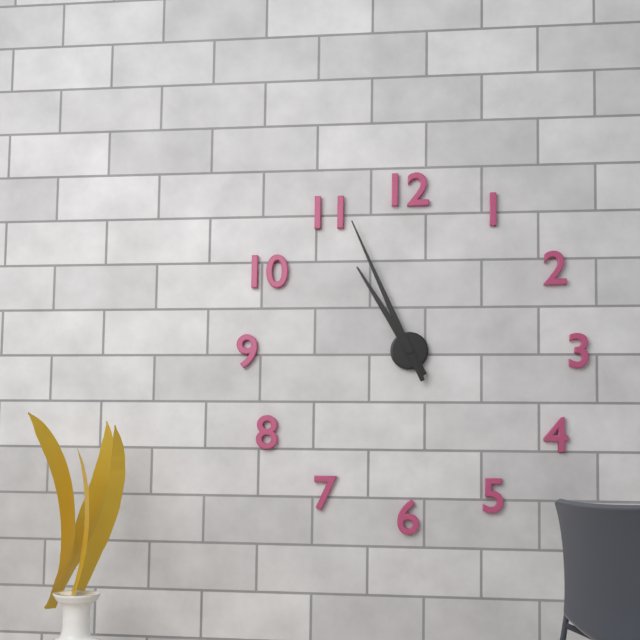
10h56
